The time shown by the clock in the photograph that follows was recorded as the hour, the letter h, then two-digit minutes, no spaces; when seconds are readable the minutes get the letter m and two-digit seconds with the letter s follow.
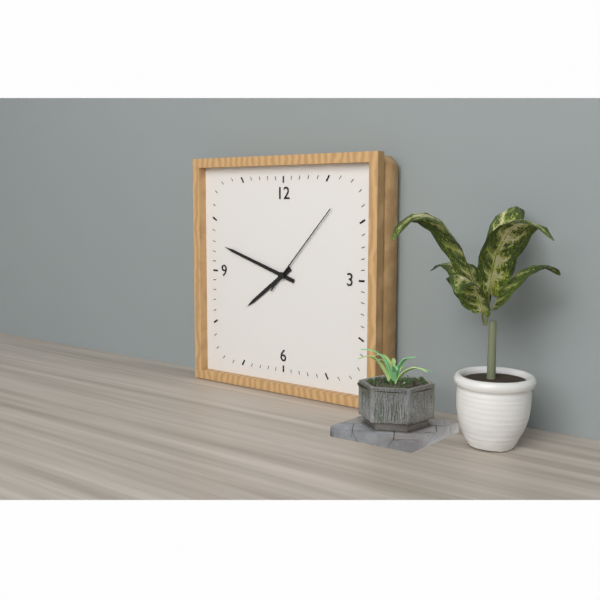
7h48m07s
